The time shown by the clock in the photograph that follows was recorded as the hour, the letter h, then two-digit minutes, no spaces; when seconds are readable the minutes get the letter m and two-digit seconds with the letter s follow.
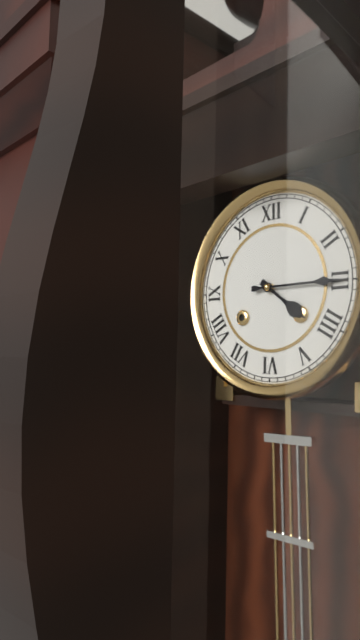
4h15
